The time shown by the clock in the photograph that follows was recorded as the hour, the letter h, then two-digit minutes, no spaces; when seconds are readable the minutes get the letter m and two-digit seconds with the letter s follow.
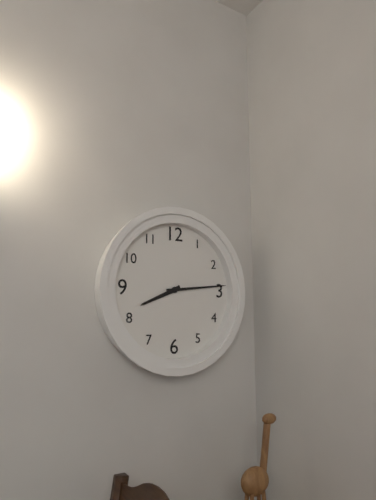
8h14
